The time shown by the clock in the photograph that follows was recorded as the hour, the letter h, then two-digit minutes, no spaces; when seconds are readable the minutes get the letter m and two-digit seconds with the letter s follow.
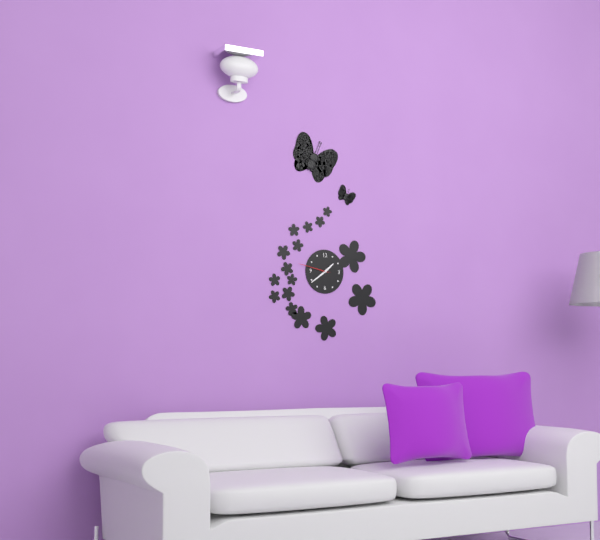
1h39
